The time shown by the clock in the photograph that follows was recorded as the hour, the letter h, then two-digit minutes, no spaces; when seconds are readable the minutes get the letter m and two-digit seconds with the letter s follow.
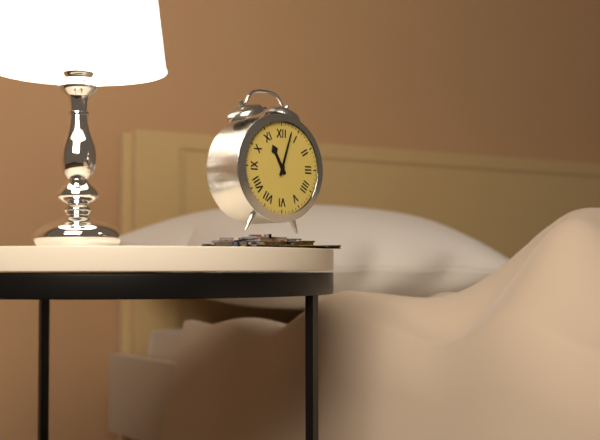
11h03
